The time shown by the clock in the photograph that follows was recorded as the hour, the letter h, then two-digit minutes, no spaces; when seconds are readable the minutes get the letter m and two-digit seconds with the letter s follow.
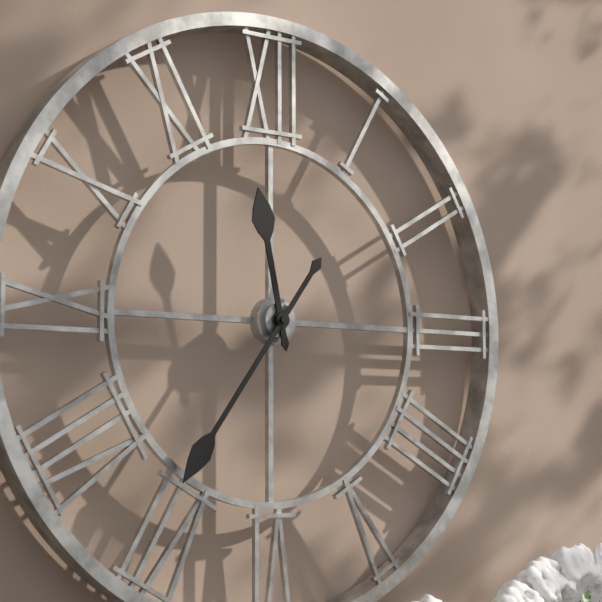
11h36
